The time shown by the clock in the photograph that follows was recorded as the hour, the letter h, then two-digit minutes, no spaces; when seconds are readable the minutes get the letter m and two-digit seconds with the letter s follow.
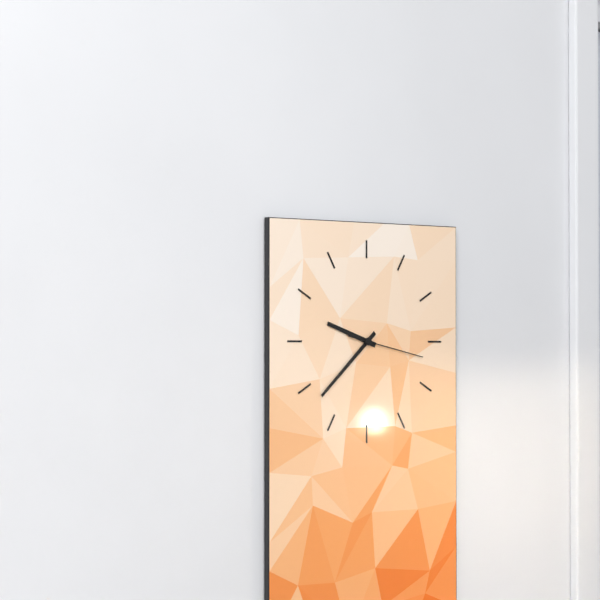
9h38m17s
